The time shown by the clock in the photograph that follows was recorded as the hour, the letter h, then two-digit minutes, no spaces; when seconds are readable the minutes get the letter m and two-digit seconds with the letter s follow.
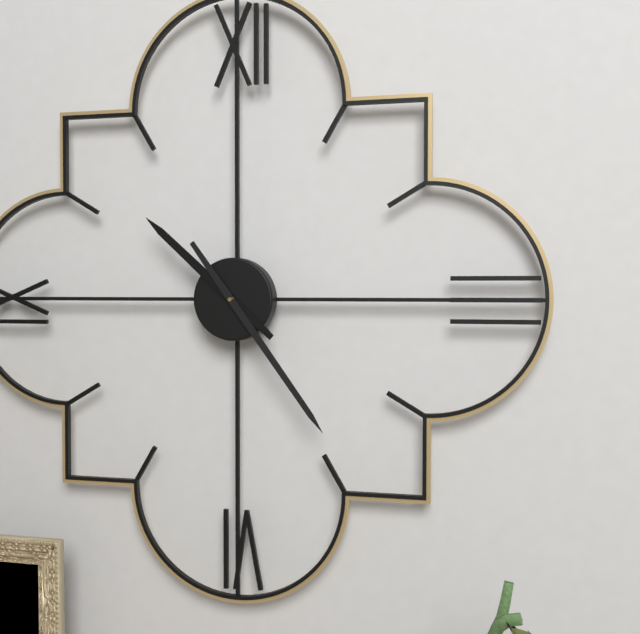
10h24
